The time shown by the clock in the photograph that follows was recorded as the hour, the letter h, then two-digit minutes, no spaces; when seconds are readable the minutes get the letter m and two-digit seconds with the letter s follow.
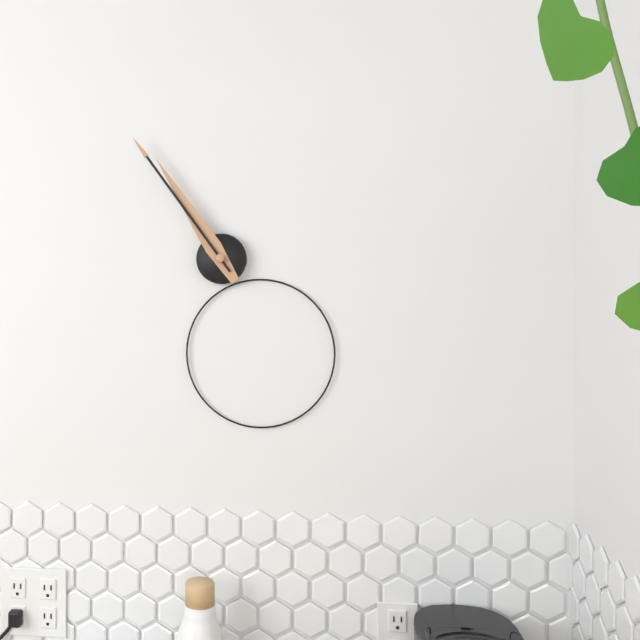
10h54
